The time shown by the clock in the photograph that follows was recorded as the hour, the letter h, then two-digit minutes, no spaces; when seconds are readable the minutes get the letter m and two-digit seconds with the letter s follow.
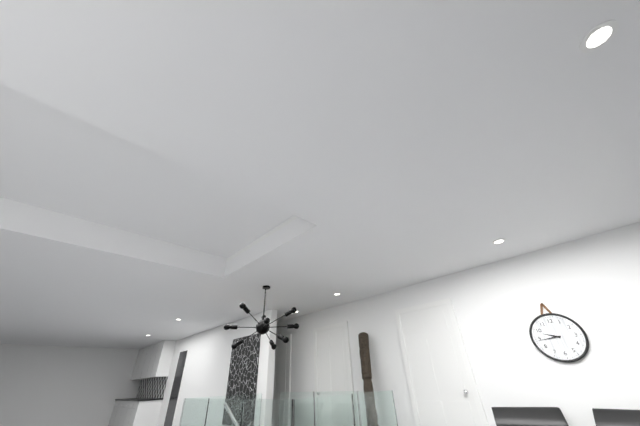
9h44
